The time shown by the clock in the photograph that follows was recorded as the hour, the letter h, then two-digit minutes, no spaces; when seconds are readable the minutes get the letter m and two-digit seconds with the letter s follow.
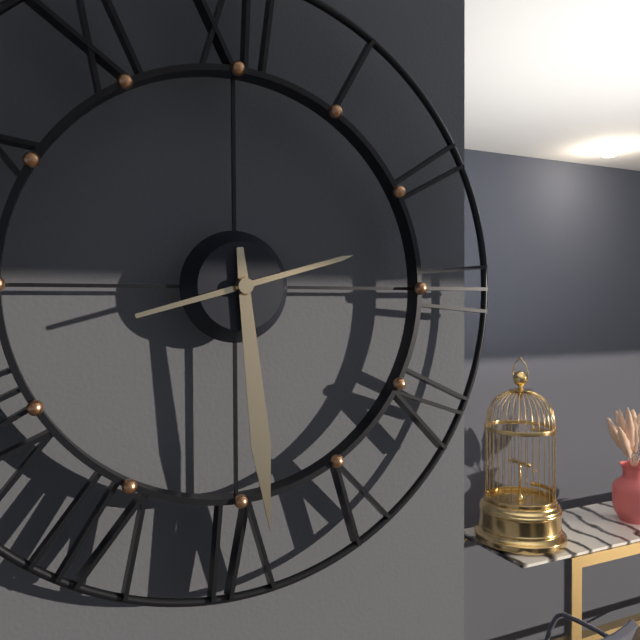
2h29
